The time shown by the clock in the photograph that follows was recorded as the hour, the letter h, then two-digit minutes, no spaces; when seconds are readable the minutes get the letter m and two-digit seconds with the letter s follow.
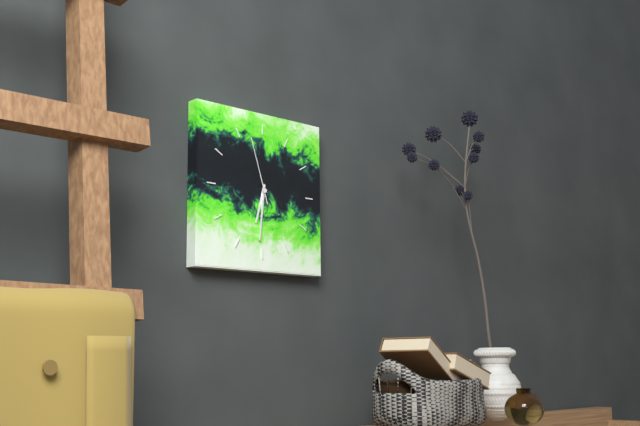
6h31m57s
